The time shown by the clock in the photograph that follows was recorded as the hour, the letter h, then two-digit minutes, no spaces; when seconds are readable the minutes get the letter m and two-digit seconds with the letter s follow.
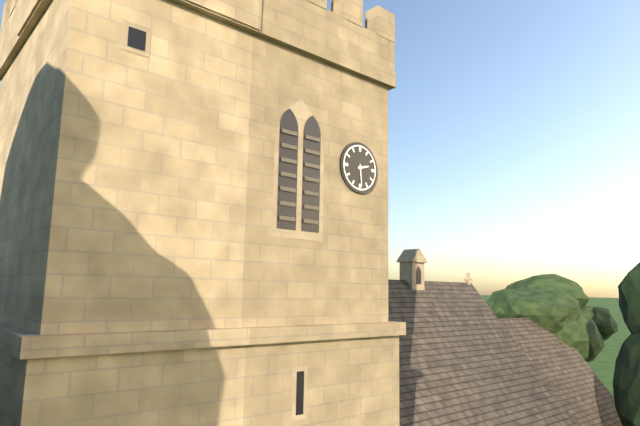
2h29
